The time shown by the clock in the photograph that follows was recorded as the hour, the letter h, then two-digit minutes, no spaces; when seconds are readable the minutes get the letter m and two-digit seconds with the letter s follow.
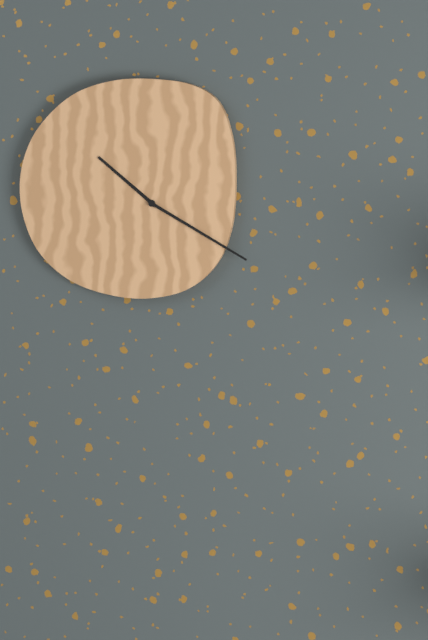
10h20
